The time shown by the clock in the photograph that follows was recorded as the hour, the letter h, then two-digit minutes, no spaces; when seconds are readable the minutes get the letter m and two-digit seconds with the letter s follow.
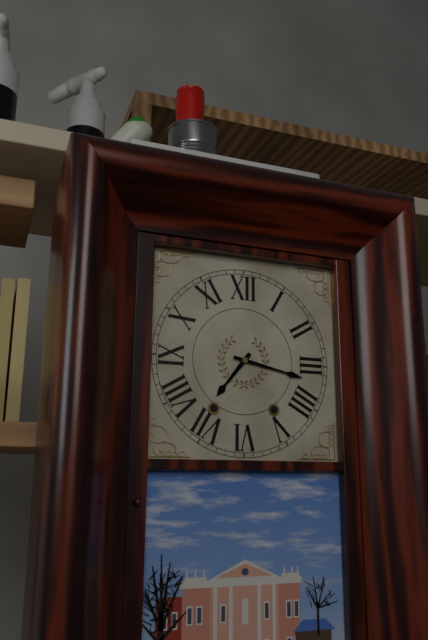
7h17
